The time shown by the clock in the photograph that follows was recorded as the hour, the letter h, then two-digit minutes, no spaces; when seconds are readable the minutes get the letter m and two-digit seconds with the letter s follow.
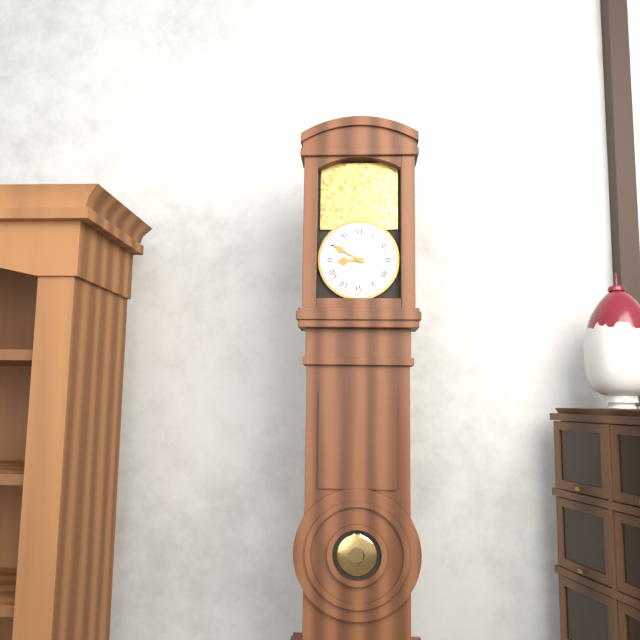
8h50
